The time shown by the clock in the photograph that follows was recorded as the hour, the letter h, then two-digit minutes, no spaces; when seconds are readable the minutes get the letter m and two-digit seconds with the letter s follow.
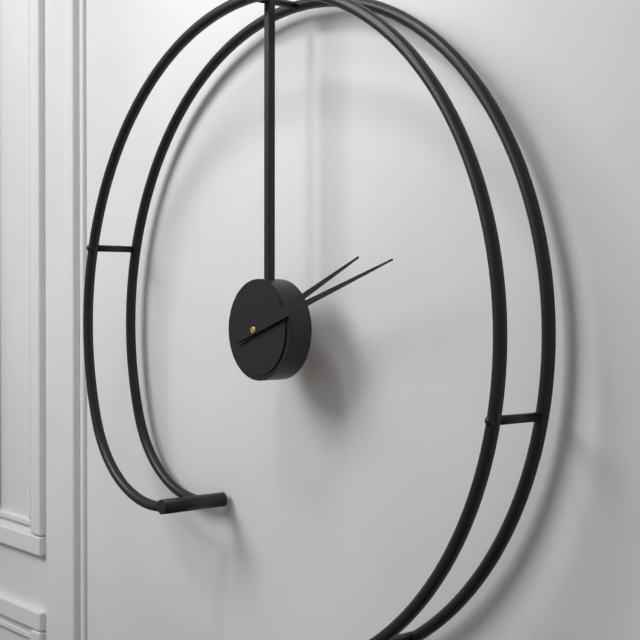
2h12
